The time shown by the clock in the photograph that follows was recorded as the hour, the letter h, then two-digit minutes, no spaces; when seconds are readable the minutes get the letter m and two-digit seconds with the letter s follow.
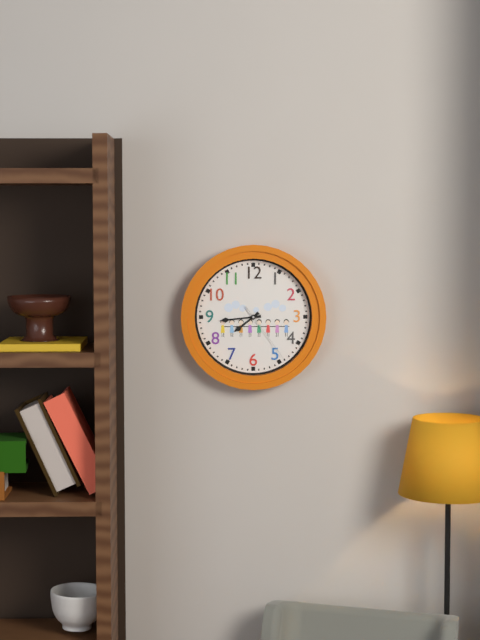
7h44m24s
